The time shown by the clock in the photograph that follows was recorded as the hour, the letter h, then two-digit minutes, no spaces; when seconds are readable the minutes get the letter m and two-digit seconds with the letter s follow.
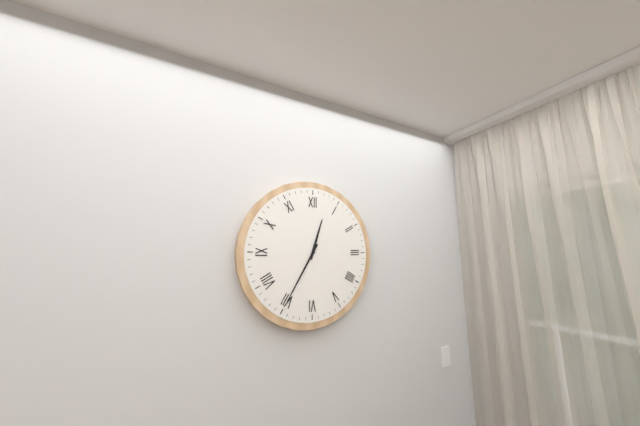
12h35
